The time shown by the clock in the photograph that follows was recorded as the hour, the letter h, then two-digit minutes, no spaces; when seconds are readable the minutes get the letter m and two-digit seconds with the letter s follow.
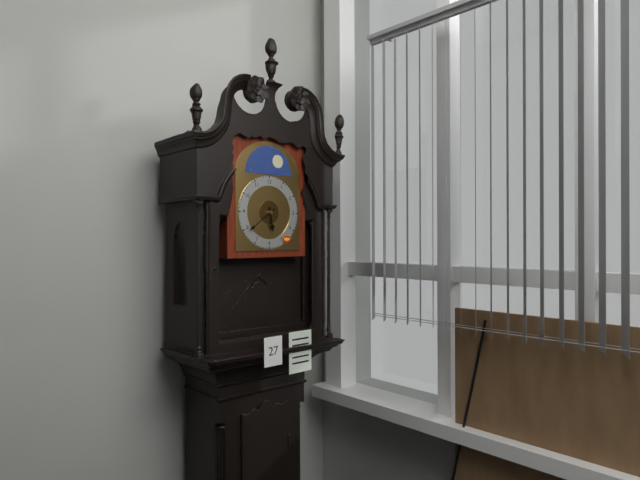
5h39
